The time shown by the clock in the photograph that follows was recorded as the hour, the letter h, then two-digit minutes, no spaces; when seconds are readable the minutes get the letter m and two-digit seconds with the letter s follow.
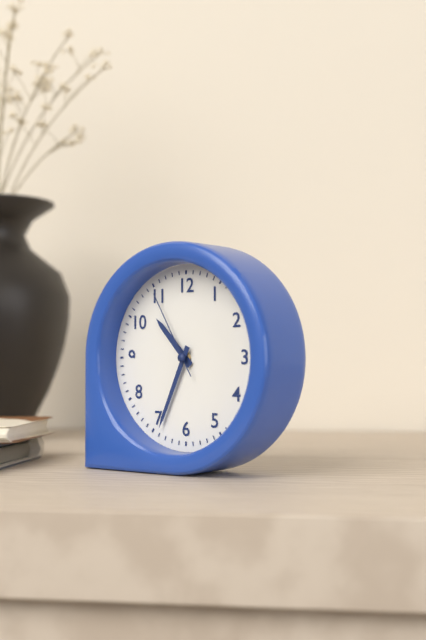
10h34m55s
